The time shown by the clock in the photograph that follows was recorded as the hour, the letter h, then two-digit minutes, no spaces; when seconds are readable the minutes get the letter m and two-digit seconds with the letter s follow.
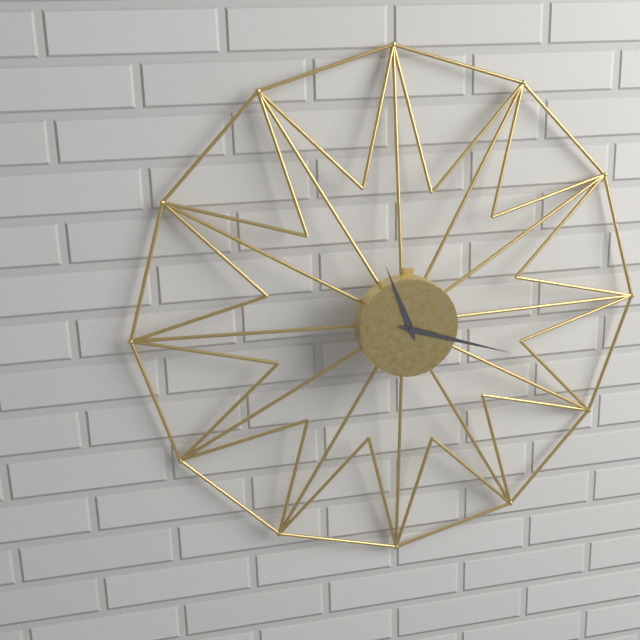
11h18
